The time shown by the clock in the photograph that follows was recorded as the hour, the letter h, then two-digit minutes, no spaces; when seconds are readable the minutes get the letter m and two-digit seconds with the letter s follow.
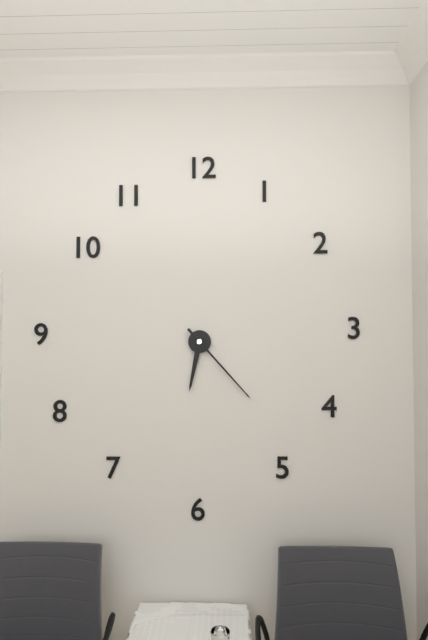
6h23
